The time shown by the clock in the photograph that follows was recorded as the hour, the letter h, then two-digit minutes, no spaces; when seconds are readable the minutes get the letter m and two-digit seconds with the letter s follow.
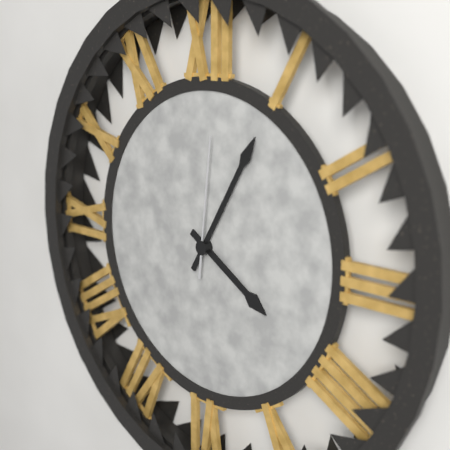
4h05m01s
